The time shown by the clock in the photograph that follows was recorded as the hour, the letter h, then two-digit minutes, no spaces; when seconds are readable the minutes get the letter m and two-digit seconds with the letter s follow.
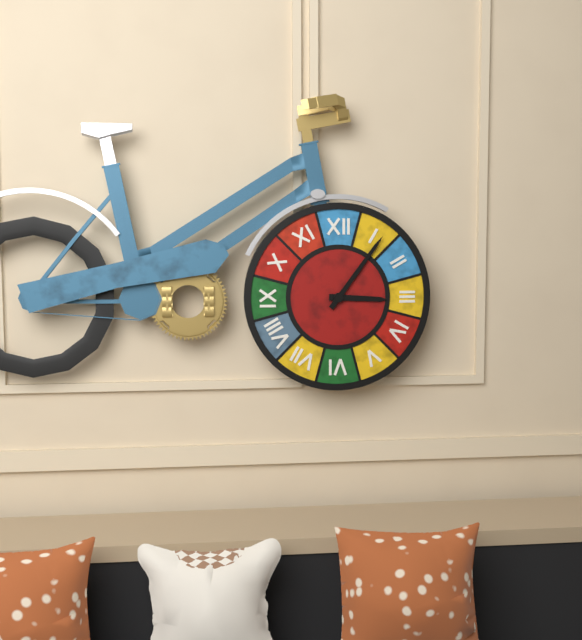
3h06
